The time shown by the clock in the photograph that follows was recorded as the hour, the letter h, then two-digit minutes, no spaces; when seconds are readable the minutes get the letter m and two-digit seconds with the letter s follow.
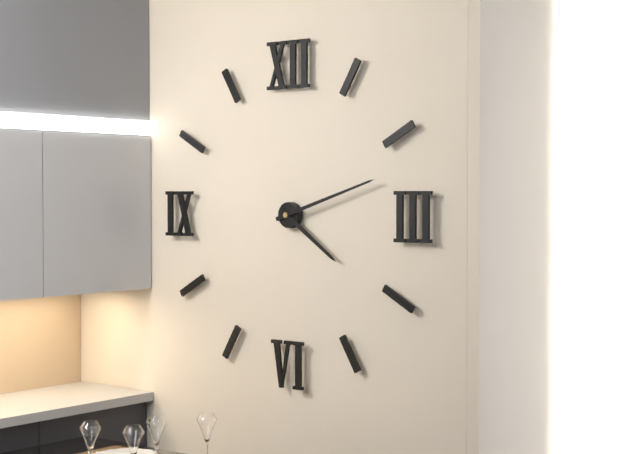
4h12
